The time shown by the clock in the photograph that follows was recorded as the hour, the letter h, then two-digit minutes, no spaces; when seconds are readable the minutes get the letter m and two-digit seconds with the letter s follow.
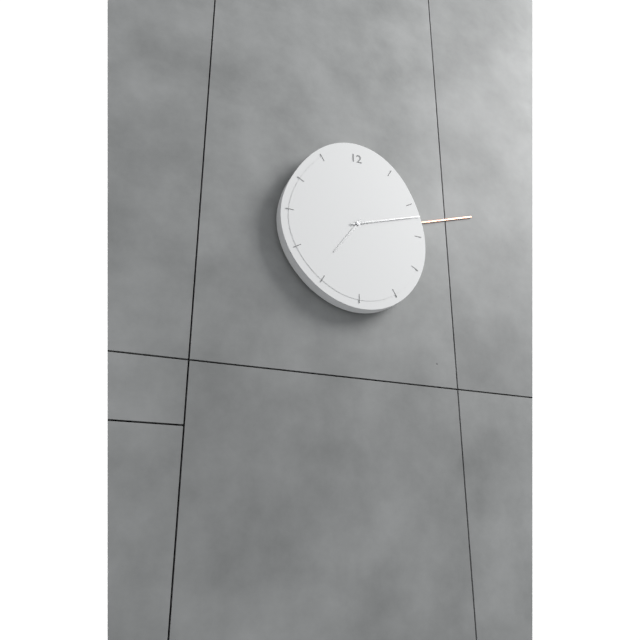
7h12m12s
